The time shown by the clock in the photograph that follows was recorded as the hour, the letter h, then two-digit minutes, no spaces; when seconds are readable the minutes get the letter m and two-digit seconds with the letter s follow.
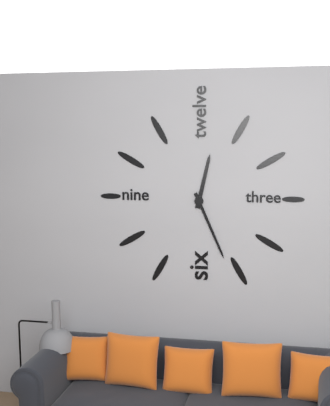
12h26
